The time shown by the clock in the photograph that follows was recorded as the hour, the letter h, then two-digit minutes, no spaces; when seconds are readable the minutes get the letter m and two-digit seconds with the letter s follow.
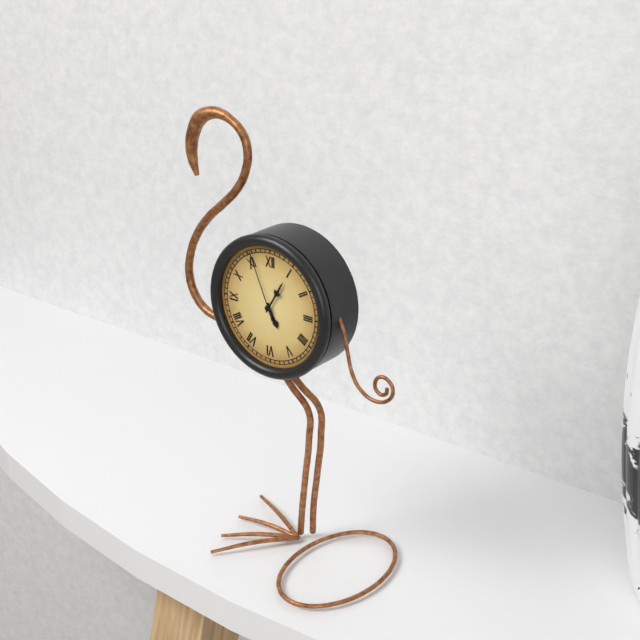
5h05m56s
